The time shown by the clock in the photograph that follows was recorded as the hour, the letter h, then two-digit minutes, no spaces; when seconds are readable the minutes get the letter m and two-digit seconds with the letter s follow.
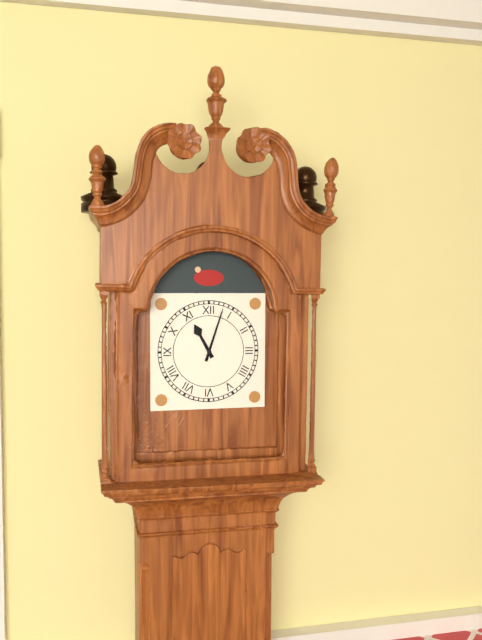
11h03
